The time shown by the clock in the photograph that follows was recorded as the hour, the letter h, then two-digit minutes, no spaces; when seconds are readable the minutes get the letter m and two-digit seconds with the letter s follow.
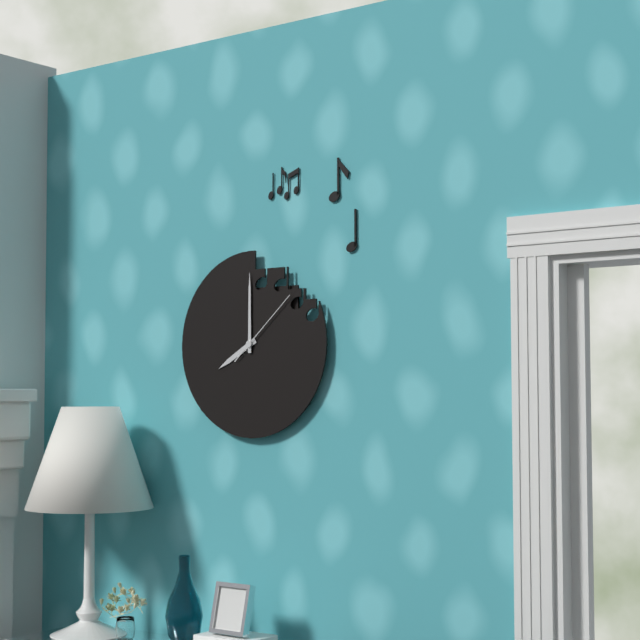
8h00m08s
